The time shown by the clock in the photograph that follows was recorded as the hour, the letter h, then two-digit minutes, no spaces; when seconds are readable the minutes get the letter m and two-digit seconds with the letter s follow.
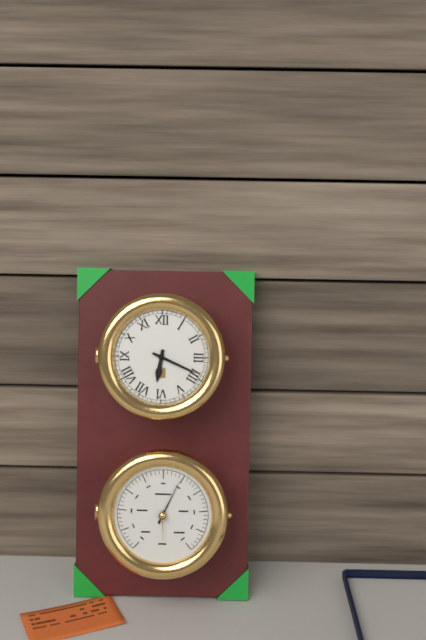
6h19
